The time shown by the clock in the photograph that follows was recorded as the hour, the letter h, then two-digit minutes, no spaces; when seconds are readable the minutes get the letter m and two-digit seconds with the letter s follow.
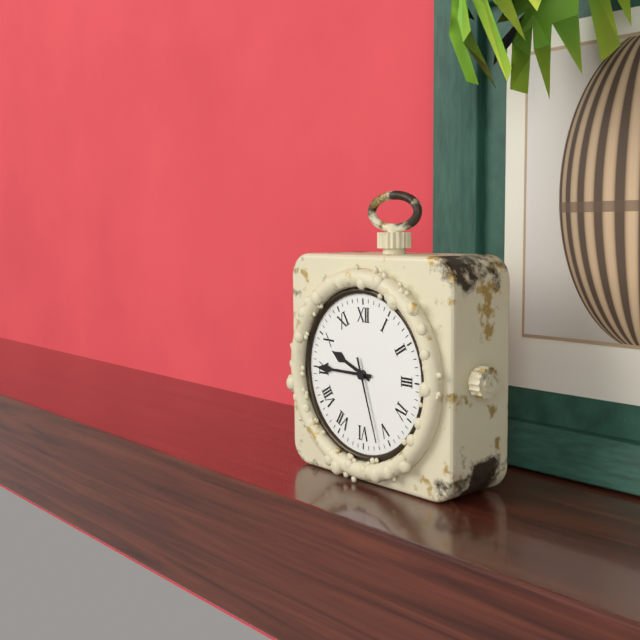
9h45m27s
